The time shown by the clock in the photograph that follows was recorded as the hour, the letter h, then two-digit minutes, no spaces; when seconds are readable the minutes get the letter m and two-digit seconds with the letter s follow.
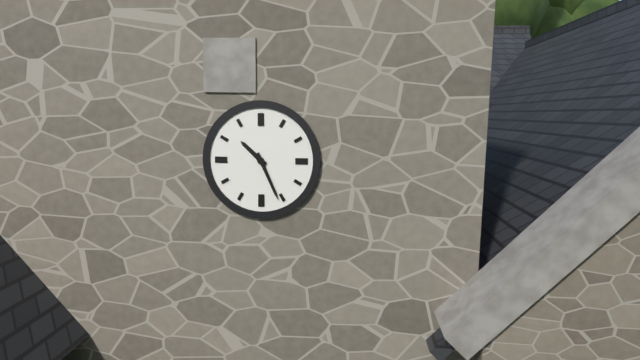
10h26
